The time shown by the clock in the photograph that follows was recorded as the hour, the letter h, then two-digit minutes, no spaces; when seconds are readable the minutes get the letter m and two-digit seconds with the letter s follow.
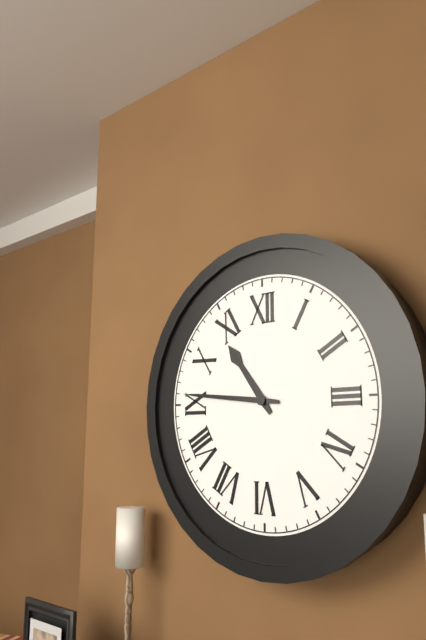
10h46
